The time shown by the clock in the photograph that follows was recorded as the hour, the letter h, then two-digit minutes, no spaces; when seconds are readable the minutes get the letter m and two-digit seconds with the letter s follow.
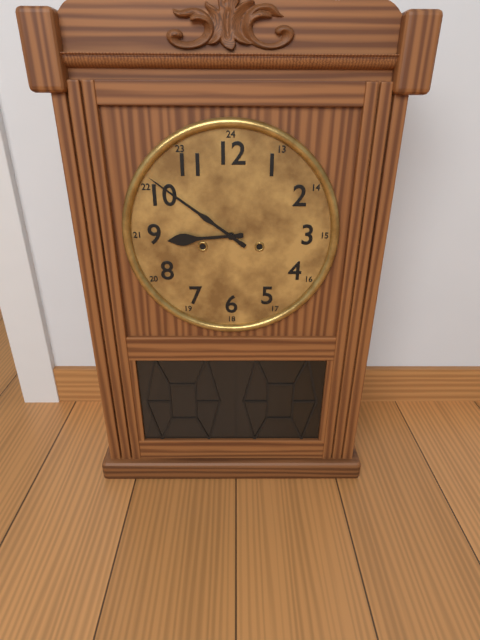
8h51
